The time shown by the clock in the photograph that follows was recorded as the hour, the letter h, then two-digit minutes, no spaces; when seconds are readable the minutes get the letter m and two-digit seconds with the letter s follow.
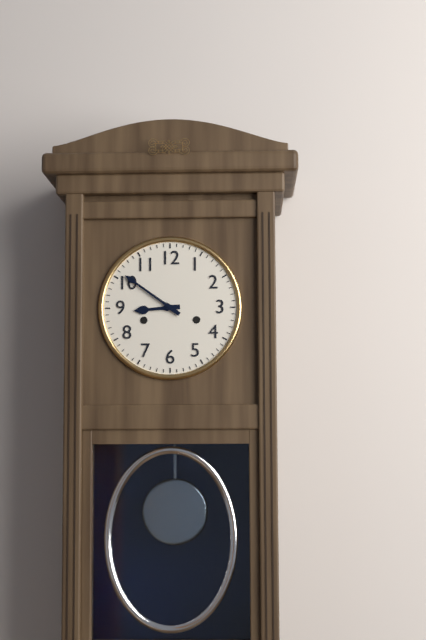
8h51
